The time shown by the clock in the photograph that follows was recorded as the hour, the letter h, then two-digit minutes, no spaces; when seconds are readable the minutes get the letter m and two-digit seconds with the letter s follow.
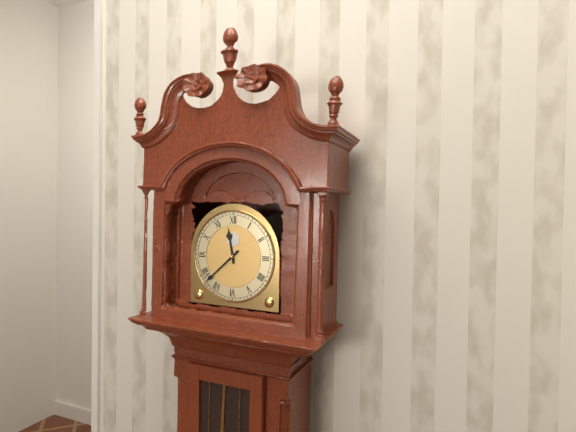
11h38
